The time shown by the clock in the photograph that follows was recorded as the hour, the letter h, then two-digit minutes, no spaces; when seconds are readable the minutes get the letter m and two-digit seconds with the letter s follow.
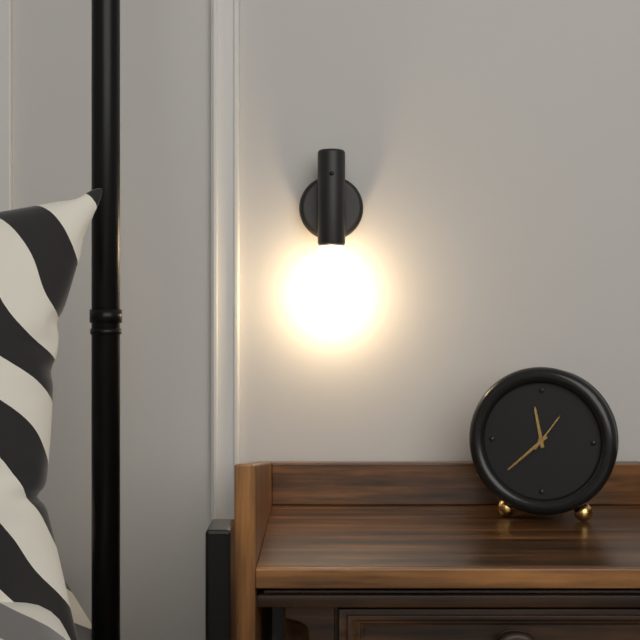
11h38
